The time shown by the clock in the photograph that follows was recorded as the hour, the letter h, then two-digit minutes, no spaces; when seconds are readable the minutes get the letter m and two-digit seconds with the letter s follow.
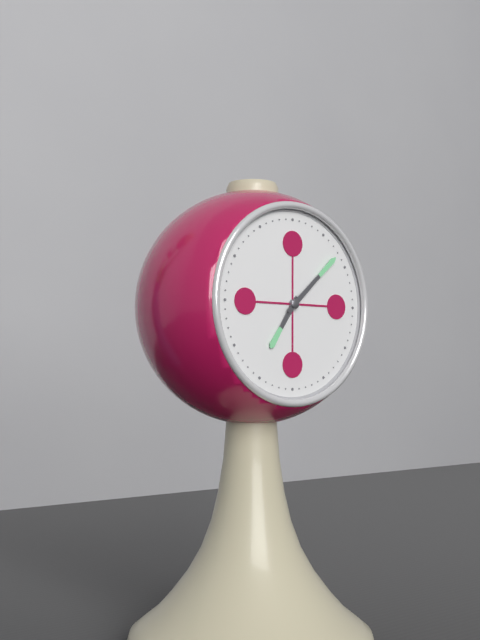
7h08
